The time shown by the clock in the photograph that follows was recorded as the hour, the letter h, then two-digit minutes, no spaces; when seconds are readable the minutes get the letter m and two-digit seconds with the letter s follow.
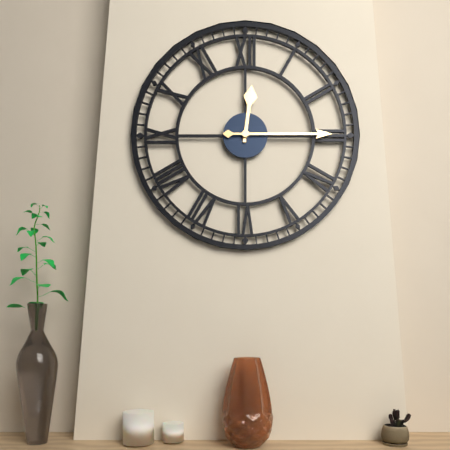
12h15
